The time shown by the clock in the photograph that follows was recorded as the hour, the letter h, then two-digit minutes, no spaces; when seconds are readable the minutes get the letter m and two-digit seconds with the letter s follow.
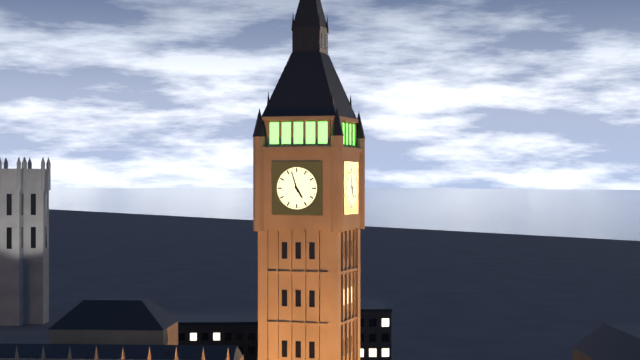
4h57
